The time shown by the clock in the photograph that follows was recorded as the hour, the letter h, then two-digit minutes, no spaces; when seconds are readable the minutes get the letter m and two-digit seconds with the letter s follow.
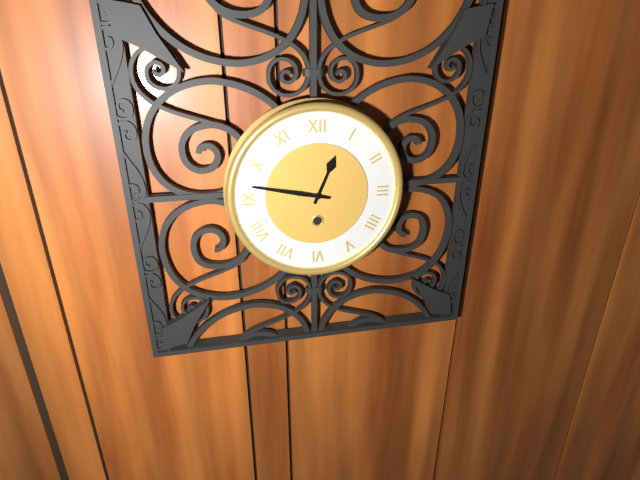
12h47
